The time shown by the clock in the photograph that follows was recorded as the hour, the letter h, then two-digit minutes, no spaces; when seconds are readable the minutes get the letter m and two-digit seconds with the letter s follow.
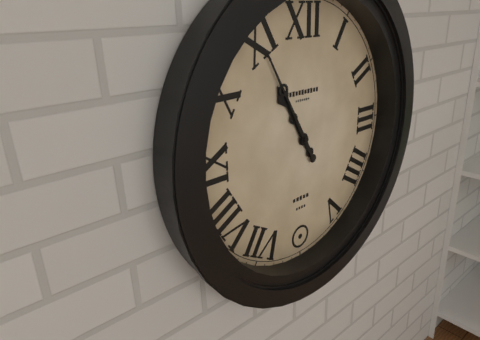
10h55
